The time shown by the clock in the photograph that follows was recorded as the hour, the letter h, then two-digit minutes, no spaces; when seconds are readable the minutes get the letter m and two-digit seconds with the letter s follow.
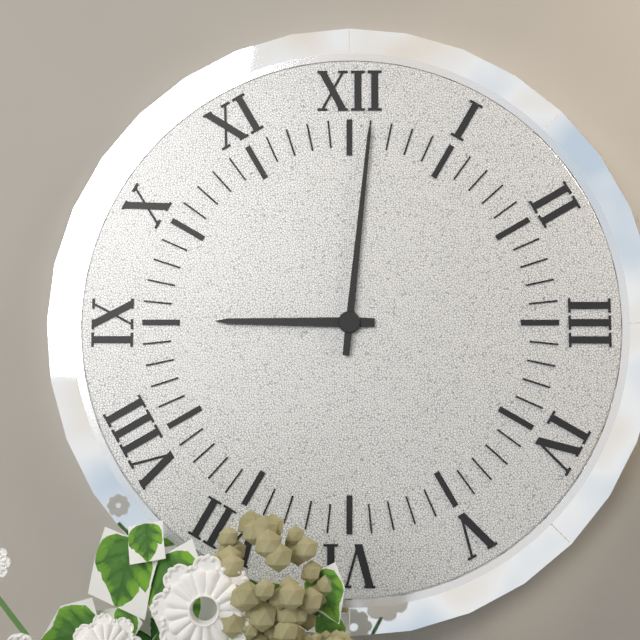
9h01
